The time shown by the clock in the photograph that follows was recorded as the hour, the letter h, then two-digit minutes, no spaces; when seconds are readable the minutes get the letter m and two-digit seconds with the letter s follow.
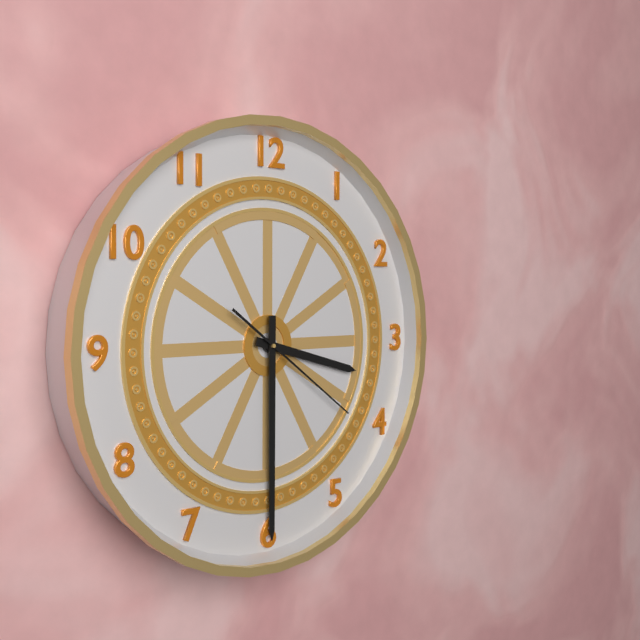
3h30m21s
